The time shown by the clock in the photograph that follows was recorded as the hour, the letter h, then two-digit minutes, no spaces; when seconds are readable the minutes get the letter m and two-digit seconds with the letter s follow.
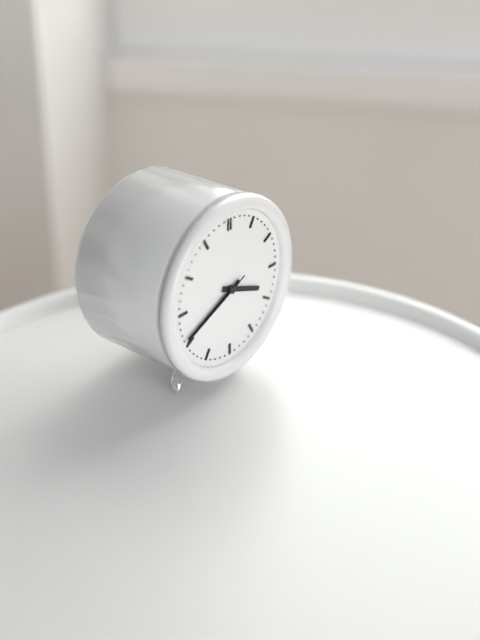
3h41m41s
